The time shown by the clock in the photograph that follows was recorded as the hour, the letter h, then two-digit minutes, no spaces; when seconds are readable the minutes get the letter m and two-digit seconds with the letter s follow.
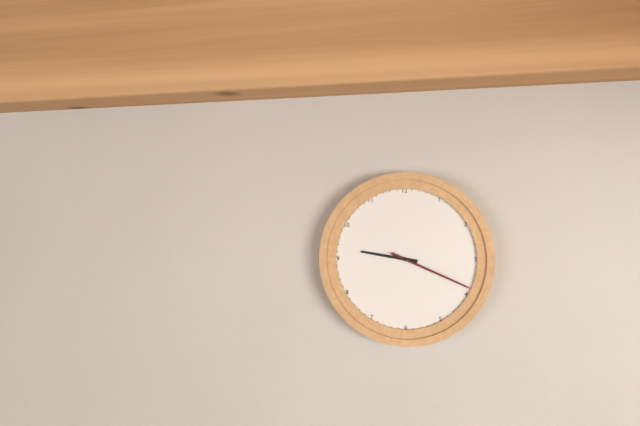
9h19m19s
